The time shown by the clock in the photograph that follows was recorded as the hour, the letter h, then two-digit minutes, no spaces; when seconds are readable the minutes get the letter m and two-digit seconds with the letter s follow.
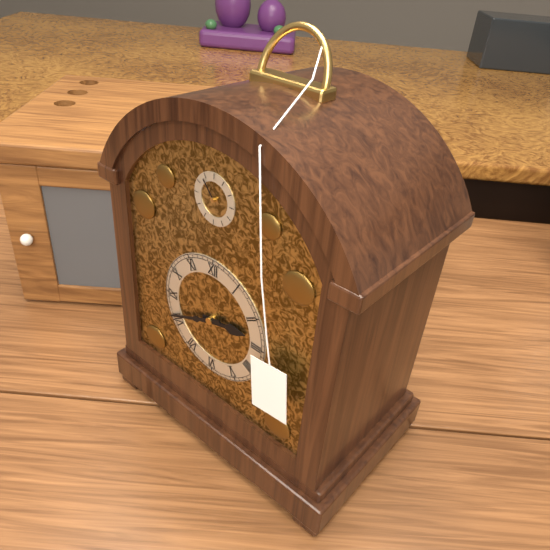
2h41
